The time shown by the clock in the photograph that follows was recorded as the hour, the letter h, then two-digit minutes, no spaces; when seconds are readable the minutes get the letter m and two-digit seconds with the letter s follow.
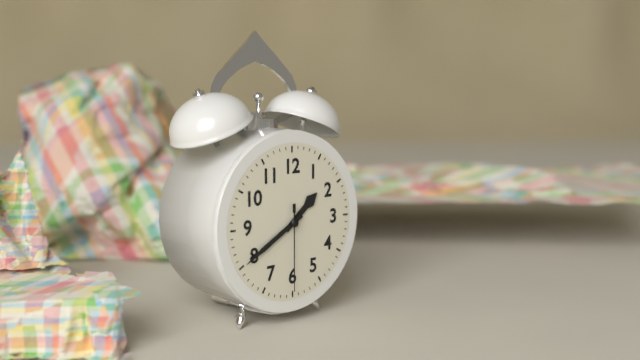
1h40m30s
